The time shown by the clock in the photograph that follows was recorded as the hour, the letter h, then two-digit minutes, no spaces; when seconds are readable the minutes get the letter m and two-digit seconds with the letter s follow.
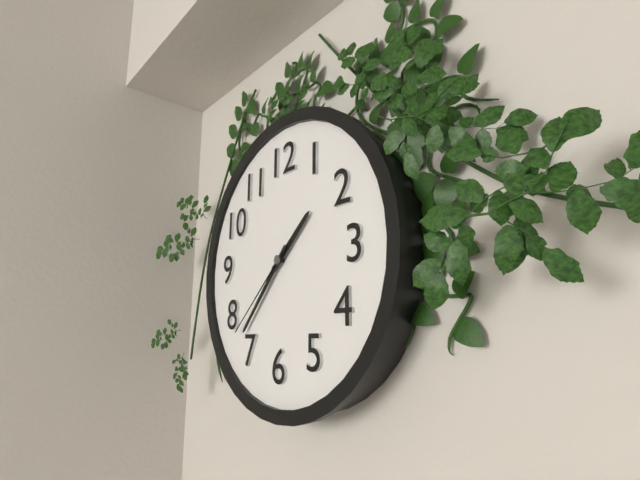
1h37m38s
